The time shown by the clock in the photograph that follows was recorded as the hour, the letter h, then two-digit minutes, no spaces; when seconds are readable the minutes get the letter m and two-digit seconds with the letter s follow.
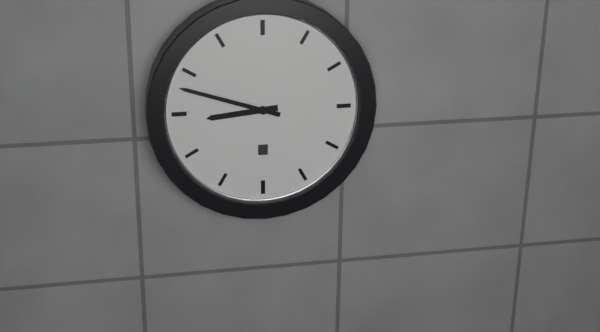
8h48
